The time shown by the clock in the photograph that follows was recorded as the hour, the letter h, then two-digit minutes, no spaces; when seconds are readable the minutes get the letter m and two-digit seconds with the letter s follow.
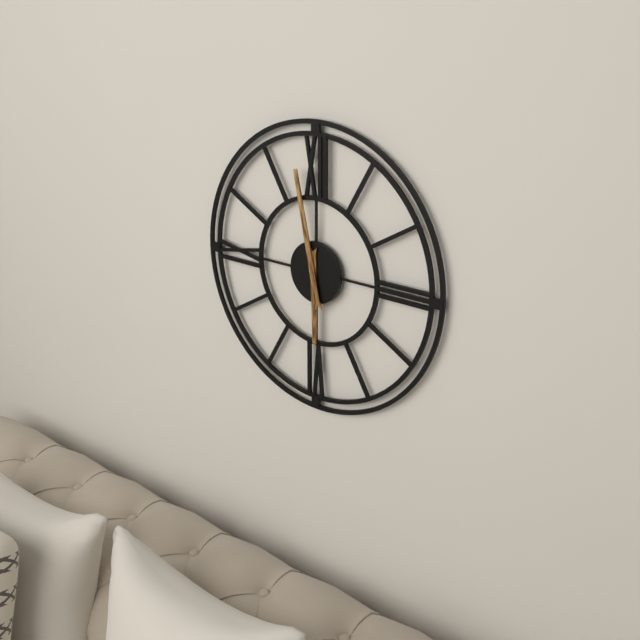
5h58
